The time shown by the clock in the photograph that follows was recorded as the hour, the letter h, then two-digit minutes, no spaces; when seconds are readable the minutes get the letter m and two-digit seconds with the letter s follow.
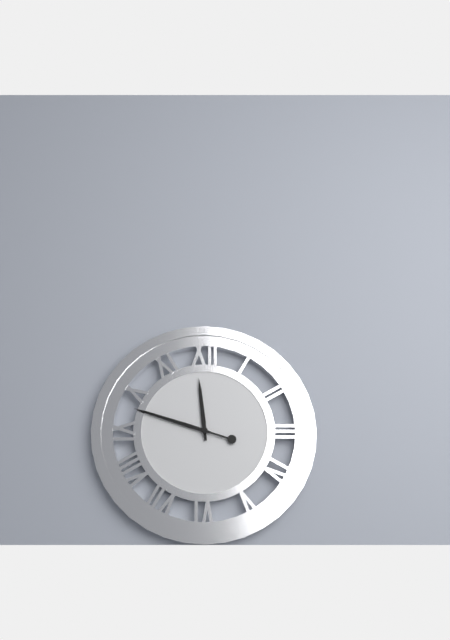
11h48
